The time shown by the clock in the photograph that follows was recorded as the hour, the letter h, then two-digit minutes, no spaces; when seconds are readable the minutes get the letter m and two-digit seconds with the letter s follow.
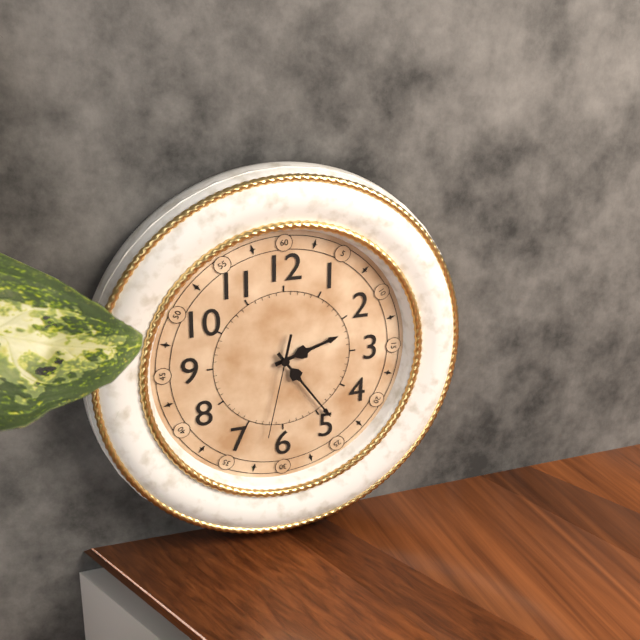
2h24m32s
